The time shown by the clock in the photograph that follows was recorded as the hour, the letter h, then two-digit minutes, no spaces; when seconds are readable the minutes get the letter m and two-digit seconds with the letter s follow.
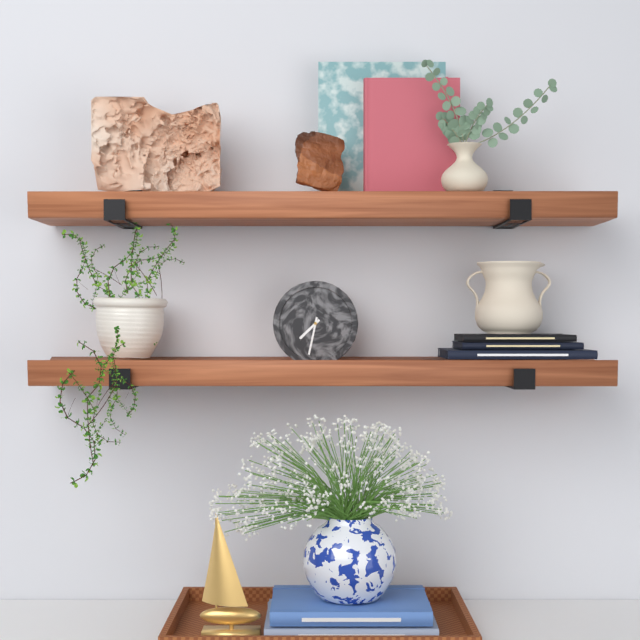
7h32
